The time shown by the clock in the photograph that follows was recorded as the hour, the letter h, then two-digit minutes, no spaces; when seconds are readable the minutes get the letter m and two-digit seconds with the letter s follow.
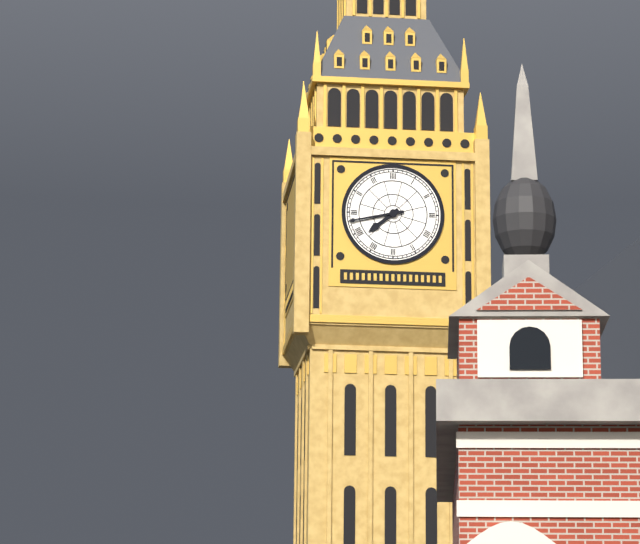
7h43
